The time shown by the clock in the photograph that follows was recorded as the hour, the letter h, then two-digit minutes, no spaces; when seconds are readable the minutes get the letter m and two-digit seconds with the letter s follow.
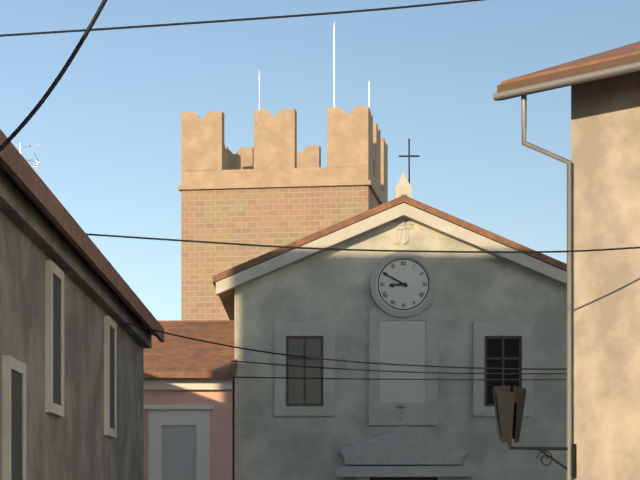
8h50
